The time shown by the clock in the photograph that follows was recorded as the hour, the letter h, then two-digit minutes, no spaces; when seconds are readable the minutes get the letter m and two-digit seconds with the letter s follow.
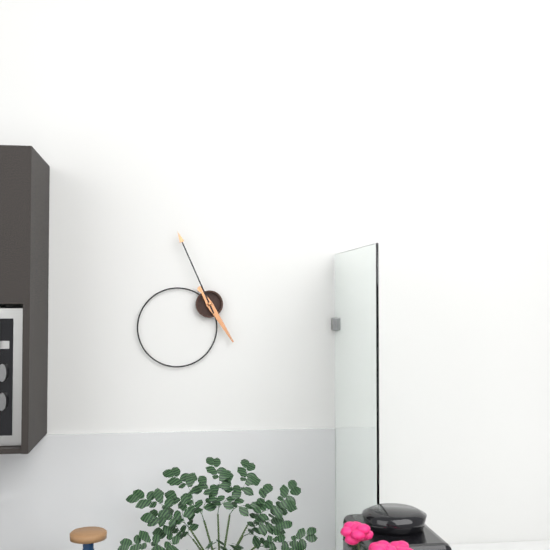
4h56
